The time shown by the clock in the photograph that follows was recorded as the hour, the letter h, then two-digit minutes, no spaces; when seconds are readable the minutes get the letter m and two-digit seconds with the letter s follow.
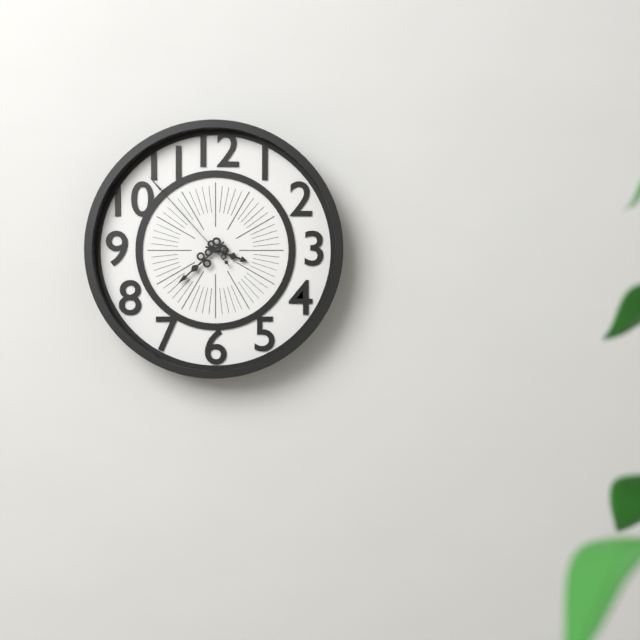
3h38m53s
